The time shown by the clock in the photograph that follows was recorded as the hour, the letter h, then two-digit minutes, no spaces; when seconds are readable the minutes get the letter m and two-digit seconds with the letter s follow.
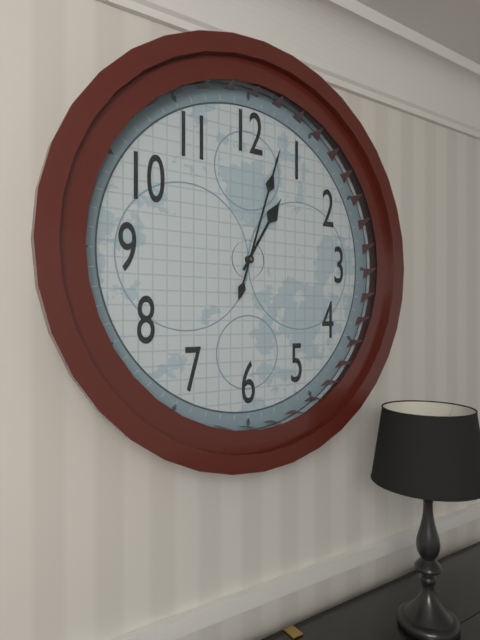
1h03
